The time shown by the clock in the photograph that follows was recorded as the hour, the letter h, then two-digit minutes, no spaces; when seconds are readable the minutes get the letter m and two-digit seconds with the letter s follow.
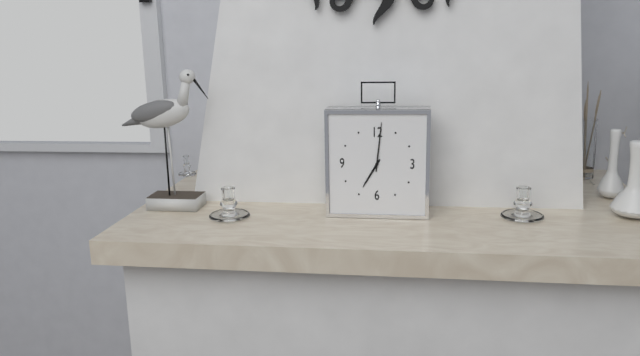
7h01
